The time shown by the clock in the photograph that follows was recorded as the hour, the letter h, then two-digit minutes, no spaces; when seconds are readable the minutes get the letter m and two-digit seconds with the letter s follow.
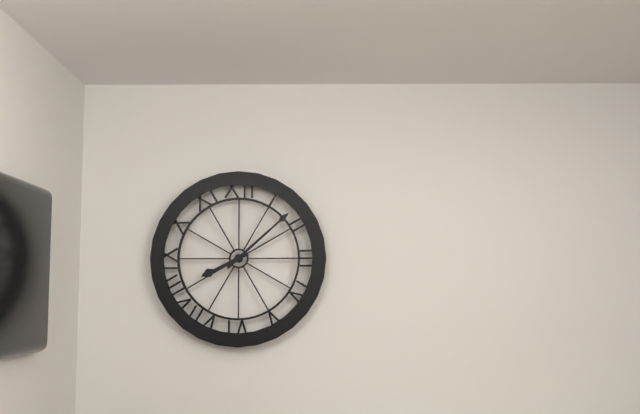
8h08
